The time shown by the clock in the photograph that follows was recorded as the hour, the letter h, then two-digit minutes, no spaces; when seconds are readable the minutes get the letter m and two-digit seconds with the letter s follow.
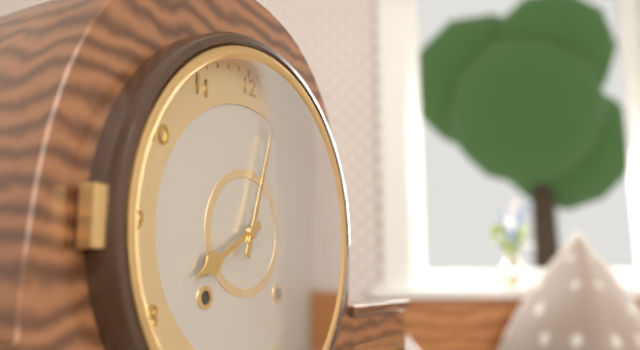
8h03
